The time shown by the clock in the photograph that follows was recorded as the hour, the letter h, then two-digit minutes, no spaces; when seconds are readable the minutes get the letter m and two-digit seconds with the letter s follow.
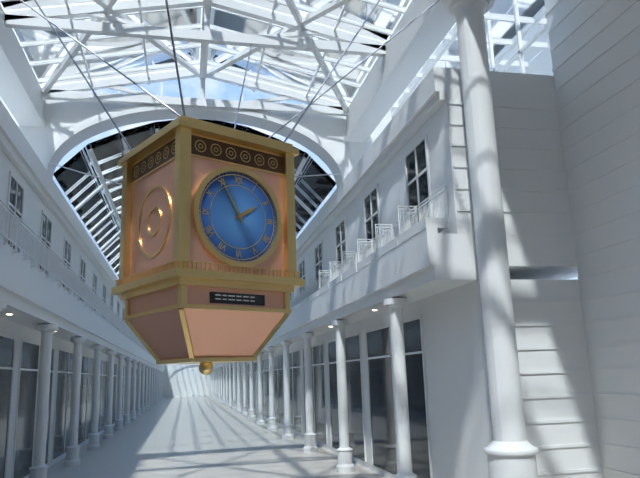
1h55
